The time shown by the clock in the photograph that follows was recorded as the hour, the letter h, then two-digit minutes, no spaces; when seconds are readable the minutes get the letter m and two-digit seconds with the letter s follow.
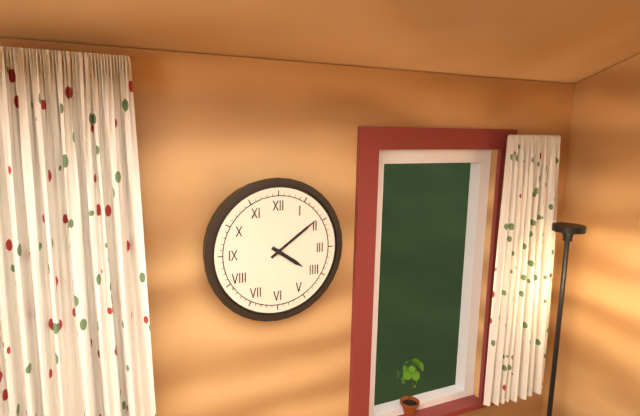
4h09
